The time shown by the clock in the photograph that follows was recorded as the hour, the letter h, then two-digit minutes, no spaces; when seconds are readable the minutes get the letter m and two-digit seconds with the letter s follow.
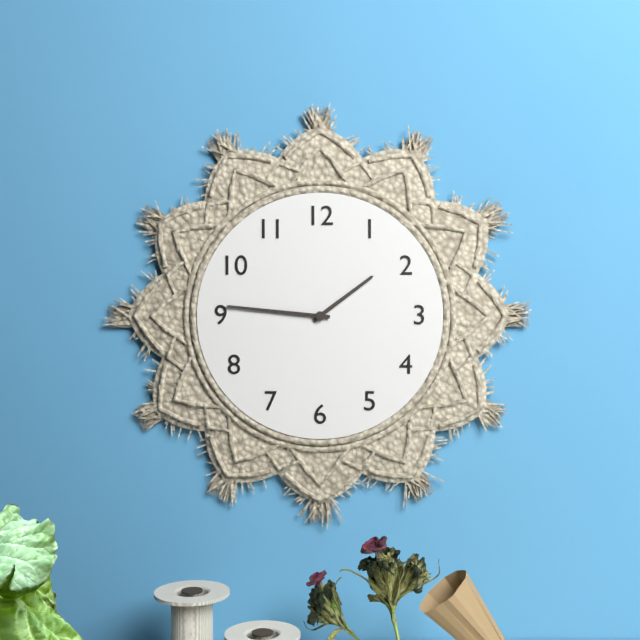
1h46
